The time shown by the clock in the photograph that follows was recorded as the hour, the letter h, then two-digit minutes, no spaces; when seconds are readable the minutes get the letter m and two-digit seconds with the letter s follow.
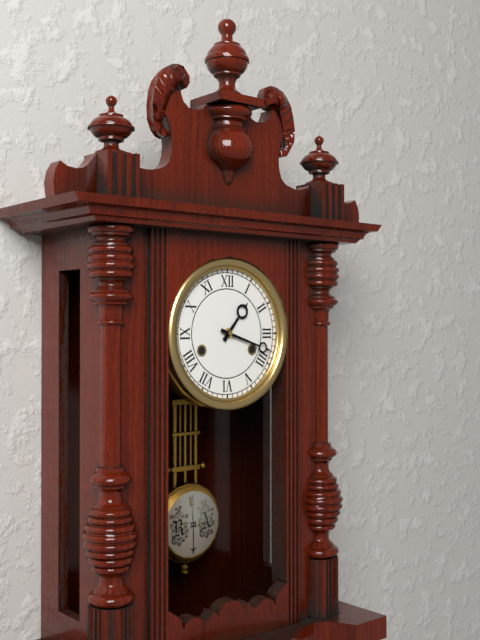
1h18
